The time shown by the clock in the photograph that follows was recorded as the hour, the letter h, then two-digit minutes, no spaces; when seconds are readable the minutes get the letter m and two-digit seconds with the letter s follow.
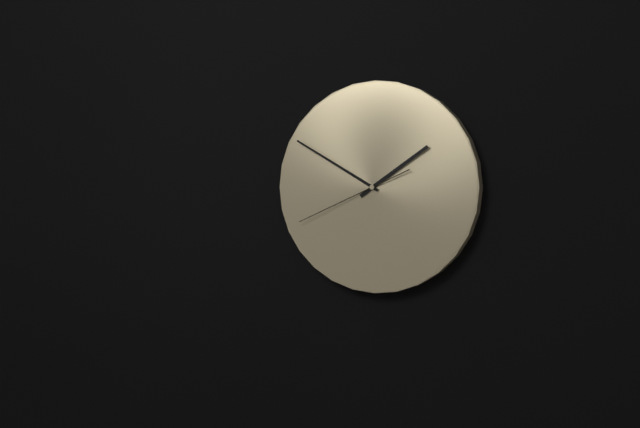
1h50m41s
